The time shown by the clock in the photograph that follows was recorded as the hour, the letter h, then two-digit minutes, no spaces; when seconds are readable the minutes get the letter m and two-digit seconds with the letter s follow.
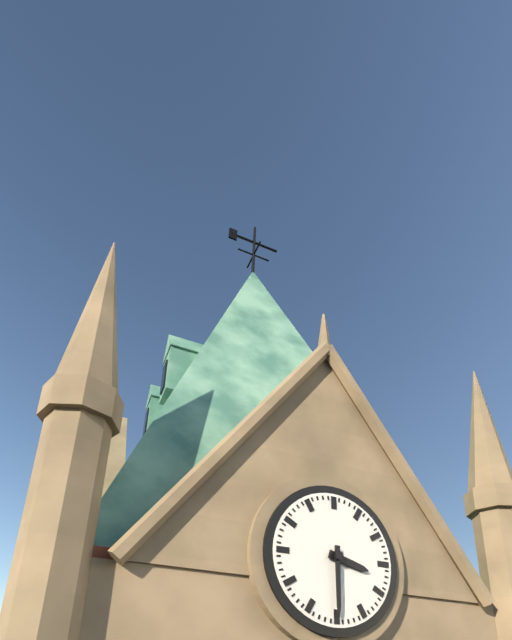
3h30
